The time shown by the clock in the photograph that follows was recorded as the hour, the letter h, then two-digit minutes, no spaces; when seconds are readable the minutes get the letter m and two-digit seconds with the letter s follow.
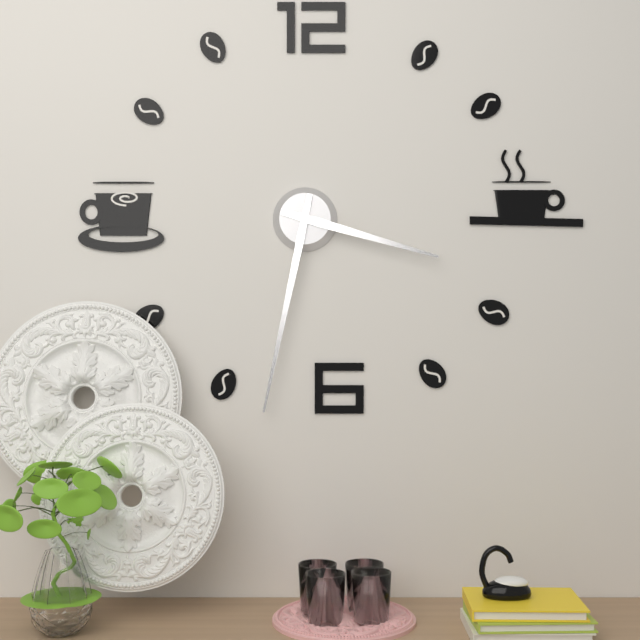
3h32
